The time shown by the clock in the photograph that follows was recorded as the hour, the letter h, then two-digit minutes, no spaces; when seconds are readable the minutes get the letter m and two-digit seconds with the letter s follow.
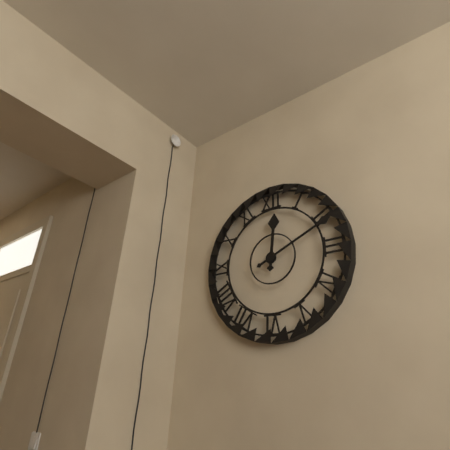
12h11
